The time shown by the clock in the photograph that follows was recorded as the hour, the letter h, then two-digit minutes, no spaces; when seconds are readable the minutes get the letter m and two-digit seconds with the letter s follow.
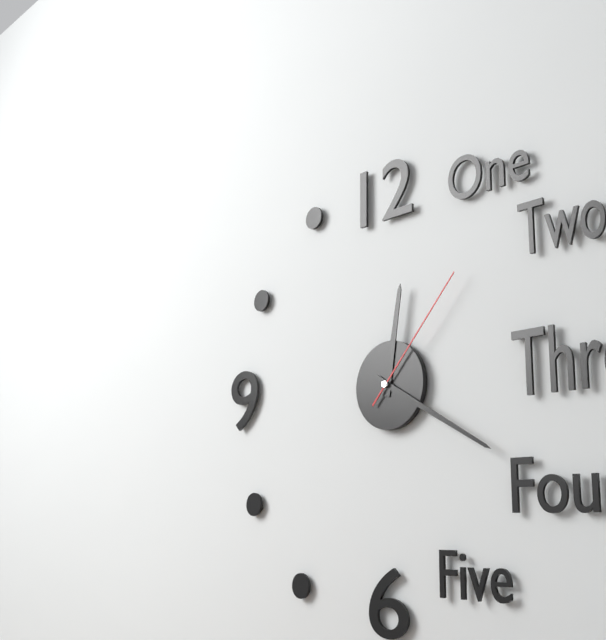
12h20m07s
